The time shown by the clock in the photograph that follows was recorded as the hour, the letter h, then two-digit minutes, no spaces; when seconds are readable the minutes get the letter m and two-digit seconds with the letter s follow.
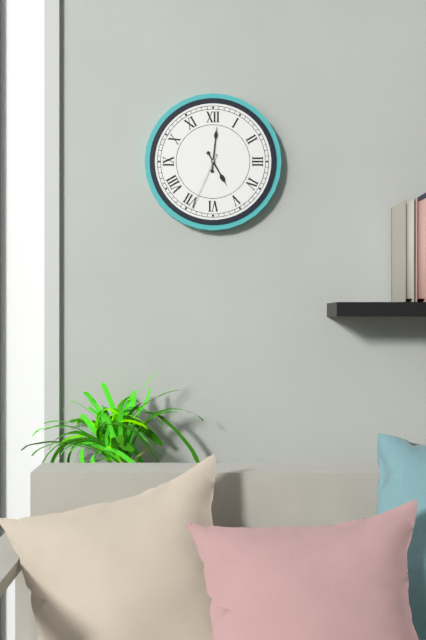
5h01m34s
